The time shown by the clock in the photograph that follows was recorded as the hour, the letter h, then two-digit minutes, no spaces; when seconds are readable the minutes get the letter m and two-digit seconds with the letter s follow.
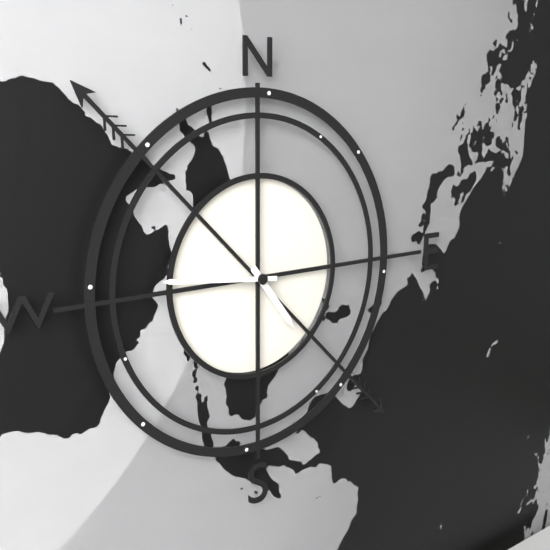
4h46
